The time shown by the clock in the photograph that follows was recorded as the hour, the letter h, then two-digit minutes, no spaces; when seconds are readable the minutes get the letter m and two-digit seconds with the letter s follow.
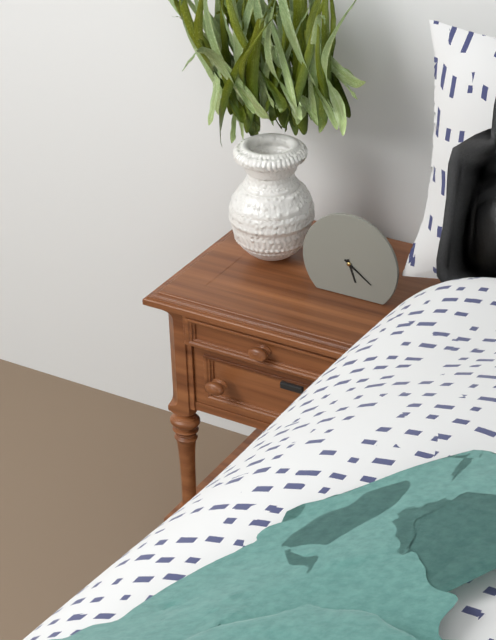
5h21
